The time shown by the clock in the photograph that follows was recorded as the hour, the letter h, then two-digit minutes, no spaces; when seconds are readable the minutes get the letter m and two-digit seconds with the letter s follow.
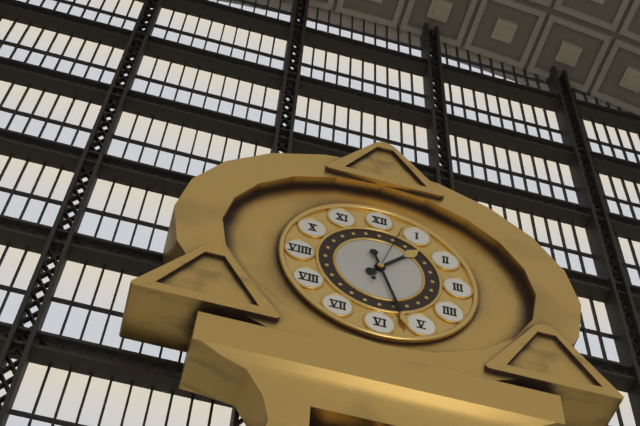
1h27m03s
